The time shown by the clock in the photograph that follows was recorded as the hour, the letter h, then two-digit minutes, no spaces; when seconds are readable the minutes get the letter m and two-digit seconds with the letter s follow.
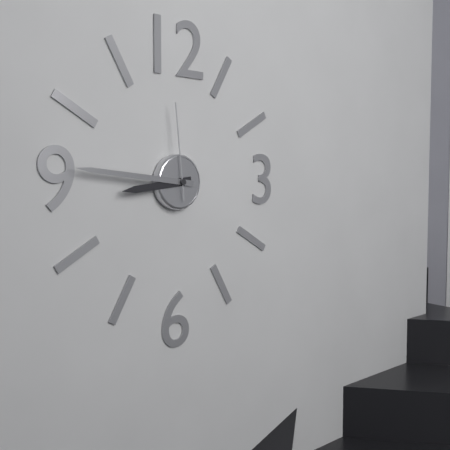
8h46m59s
